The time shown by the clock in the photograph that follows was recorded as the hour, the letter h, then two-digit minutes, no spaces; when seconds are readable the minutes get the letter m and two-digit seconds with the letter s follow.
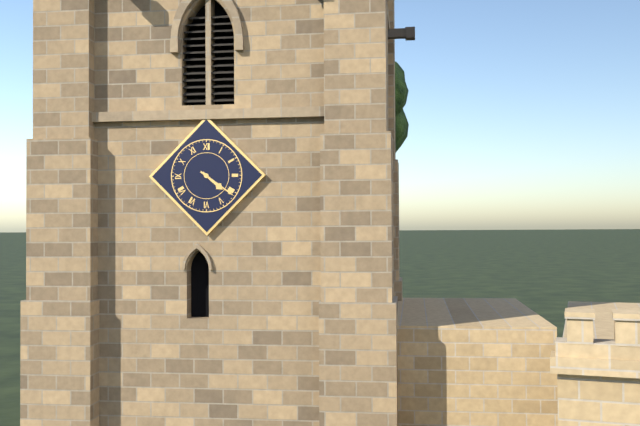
4h21
